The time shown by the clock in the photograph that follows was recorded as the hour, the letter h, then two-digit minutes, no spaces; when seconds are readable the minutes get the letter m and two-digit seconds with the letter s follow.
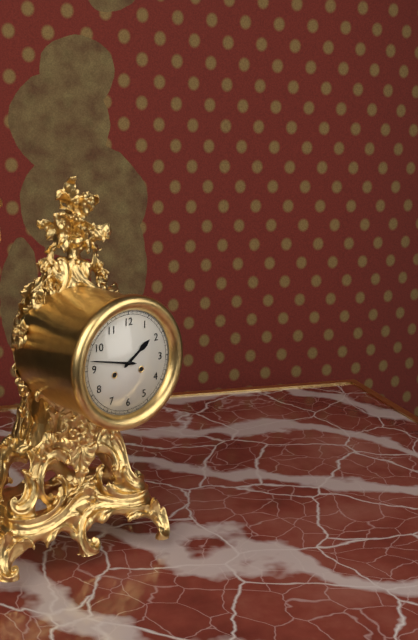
1h47
